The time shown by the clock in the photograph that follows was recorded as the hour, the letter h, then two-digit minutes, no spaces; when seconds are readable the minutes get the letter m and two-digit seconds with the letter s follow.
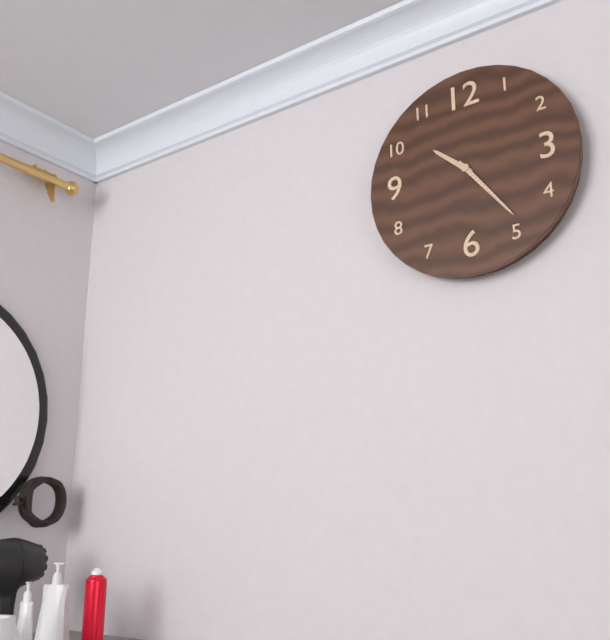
10h24
